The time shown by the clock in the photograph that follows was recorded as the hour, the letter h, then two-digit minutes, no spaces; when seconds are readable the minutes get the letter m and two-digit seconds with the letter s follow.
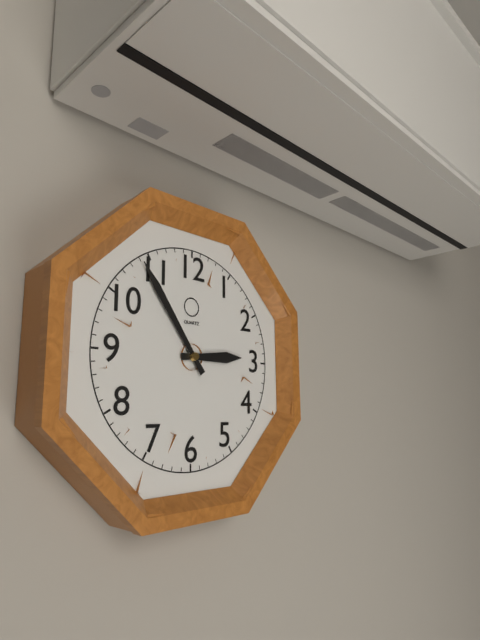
2h54
